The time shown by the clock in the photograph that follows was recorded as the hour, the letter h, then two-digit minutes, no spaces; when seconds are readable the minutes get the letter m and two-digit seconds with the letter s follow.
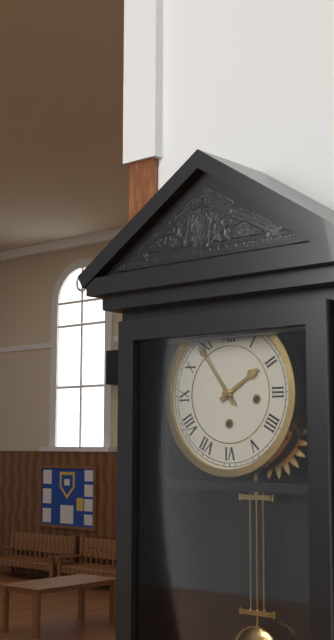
1h54
